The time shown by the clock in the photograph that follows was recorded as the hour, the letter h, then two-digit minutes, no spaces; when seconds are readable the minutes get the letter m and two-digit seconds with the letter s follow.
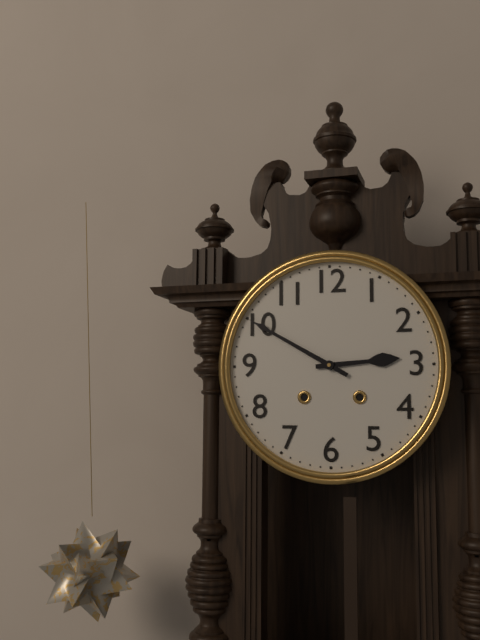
2h50
